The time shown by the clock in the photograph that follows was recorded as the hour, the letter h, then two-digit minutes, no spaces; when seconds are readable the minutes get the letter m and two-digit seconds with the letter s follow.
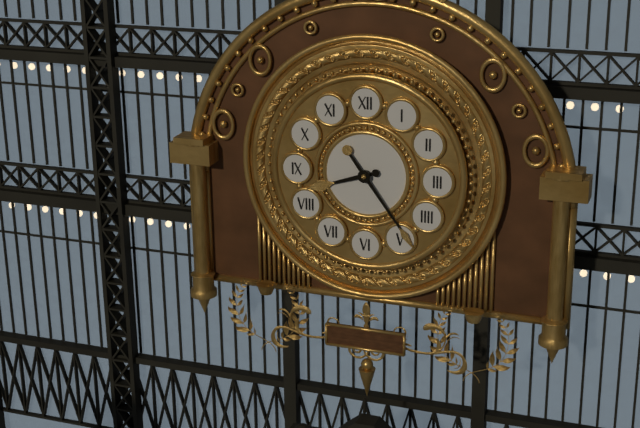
8h24
